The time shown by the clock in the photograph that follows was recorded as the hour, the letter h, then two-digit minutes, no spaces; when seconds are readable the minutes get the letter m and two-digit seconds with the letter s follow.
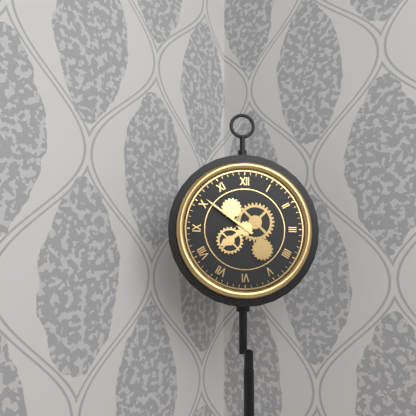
7h51
